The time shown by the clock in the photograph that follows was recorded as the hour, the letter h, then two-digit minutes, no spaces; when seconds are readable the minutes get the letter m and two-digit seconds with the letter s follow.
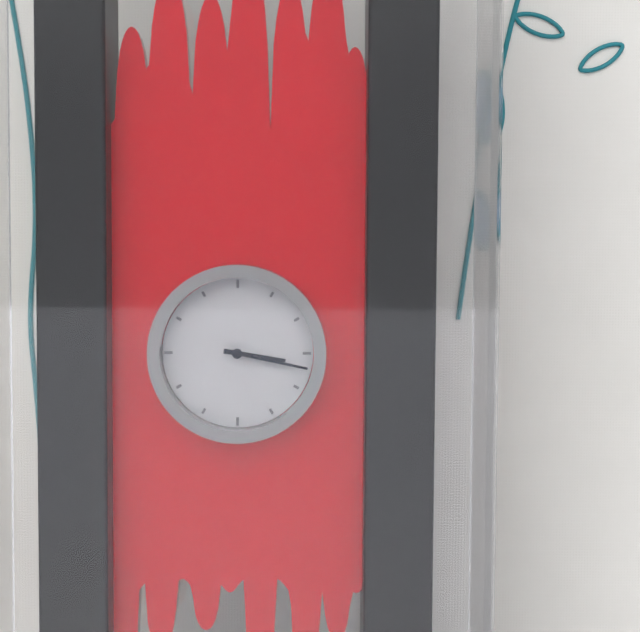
3h17
